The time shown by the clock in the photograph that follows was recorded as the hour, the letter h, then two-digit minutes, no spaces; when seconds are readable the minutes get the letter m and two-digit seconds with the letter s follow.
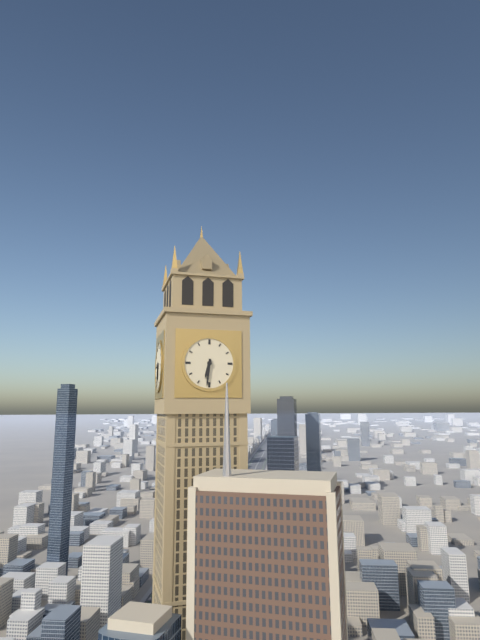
6h31
